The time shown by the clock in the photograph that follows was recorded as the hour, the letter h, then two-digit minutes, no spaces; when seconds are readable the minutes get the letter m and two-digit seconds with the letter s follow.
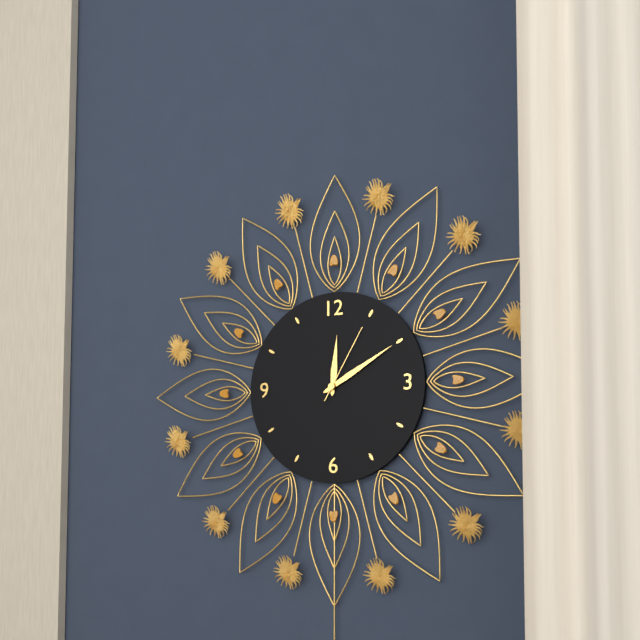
12h10m05s
